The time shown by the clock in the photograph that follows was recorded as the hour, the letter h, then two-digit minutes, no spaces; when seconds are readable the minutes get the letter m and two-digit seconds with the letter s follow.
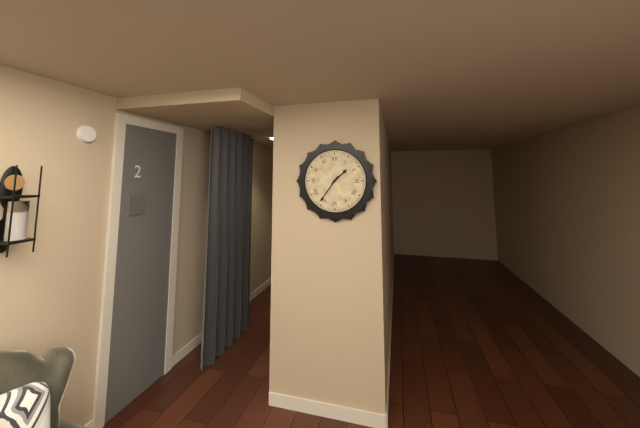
1h36
